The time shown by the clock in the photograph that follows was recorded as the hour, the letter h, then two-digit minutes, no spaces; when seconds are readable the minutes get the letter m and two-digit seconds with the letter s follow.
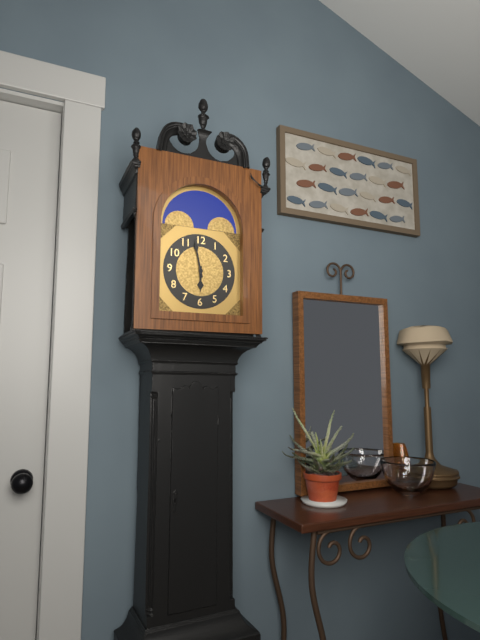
5h58
